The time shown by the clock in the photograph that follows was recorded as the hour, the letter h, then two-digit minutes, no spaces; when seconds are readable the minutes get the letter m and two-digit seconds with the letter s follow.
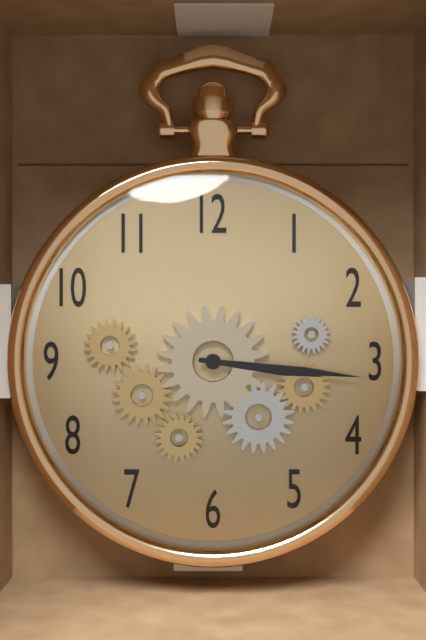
3h16
